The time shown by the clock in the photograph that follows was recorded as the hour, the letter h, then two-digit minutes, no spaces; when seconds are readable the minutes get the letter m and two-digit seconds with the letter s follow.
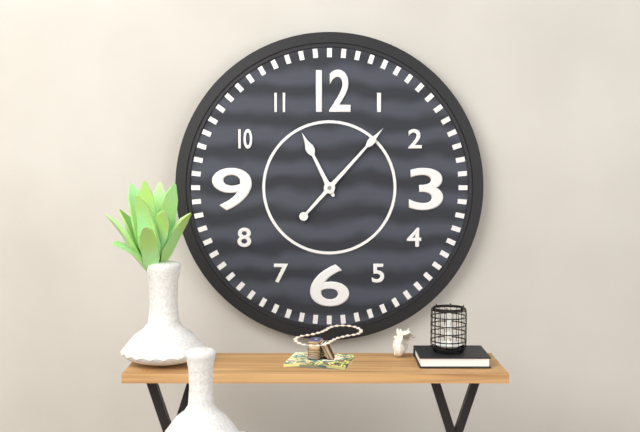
11h07
